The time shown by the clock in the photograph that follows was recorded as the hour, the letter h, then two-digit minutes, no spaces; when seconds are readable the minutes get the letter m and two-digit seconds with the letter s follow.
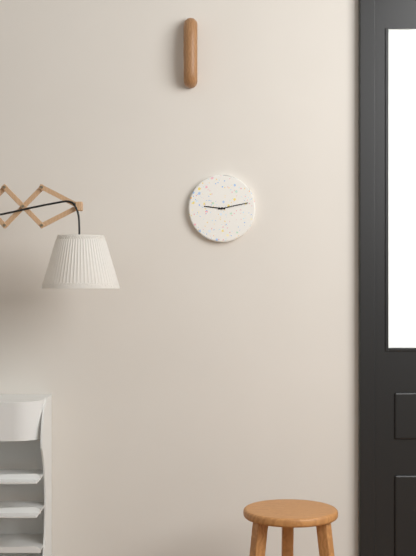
9h13
